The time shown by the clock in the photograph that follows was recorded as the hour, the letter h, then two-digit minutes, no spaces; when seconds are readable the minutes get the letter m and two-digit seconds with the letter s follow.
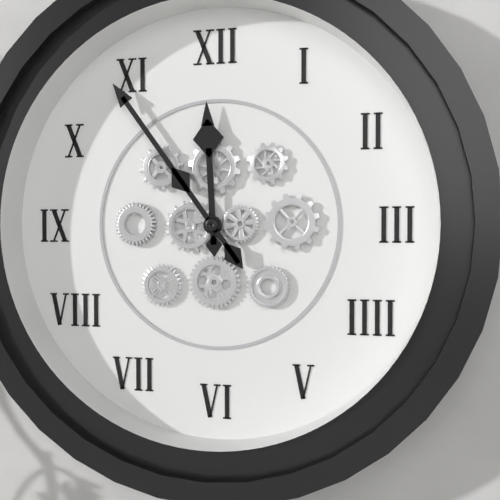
11h54
